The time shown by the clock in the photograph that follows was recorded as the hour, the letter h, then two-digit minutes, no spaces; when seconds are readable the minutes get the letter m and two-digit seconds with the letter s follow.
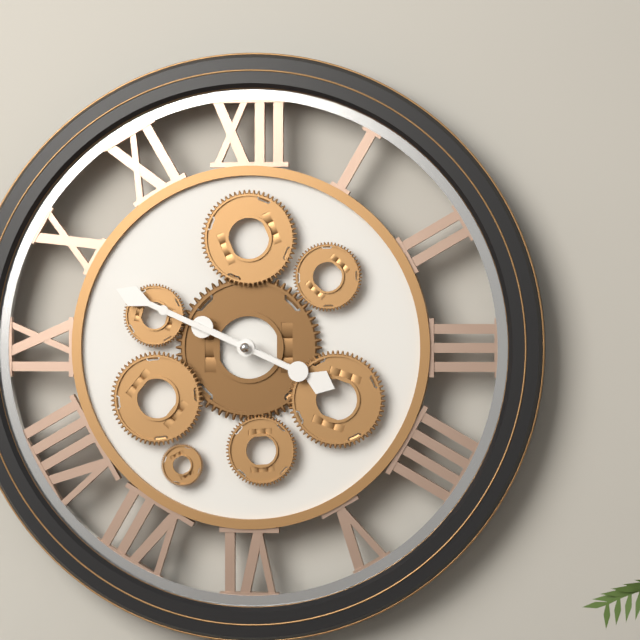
3h49
